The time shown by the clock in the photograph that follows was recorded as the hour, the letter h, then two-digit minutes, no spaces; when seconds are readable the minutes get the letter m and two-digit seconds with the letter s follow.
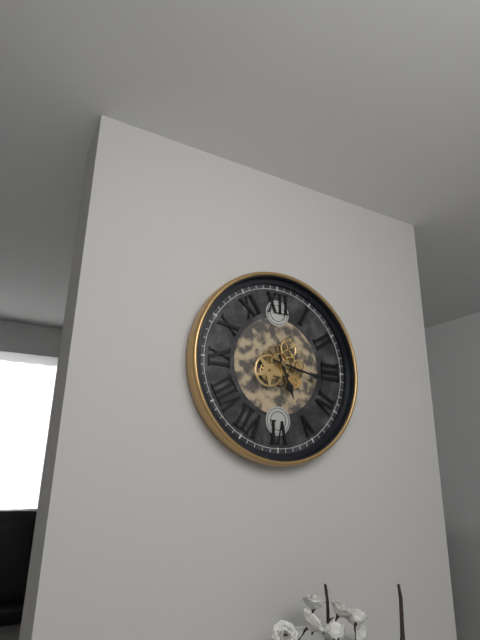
5h17
